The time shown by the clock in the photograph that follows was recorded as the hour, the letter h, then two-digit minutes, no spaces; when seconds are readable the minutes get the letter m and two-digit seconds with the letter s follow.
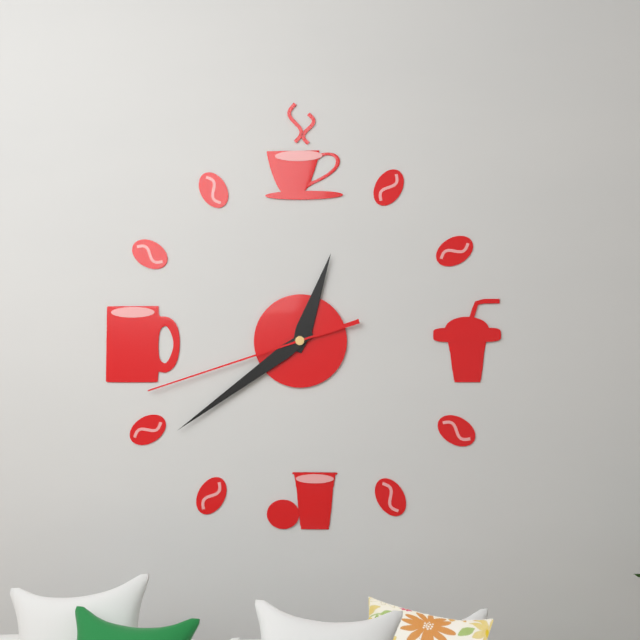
12h39m42s
